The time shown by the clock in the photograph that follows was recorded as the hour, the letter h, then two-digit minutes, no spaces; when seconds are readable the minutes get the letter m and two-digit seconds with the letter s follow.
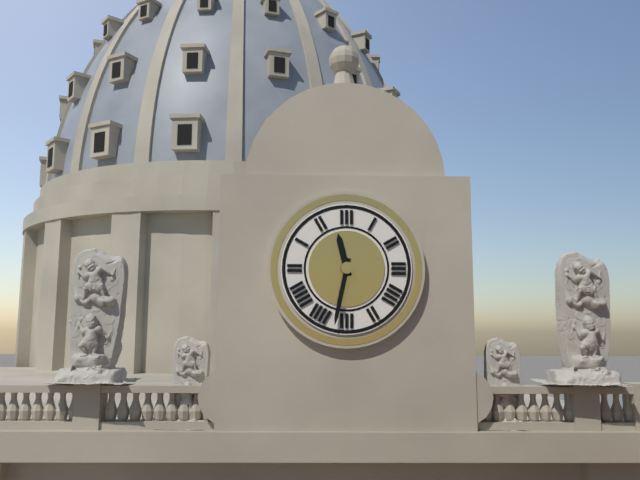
11h32
